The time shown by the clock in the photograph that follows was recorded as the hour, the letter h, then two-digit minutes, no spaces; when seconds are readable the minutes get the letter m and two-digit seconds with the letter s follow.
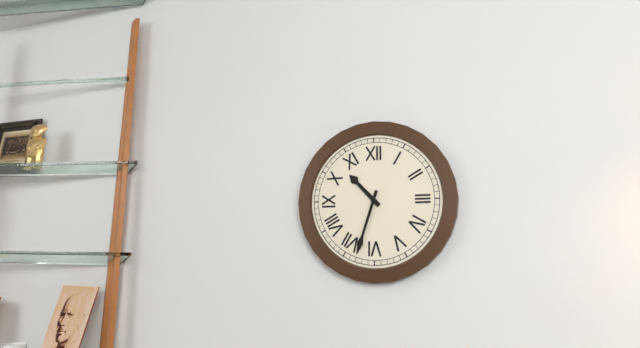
10h33
